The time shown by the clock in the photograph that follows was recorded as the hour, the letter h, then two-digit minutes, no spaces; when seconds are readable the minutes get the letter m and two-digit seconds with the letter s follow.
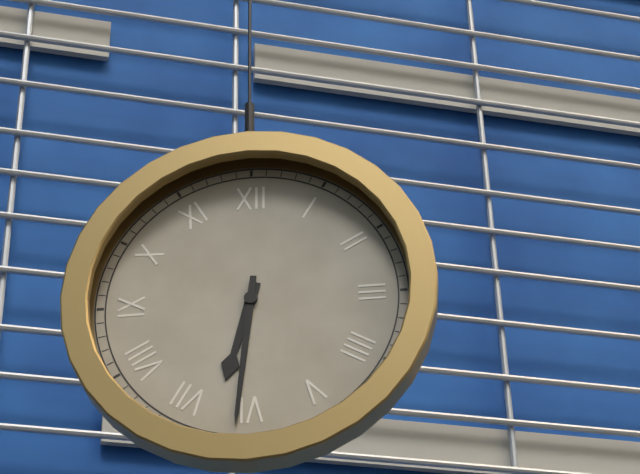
6h31
